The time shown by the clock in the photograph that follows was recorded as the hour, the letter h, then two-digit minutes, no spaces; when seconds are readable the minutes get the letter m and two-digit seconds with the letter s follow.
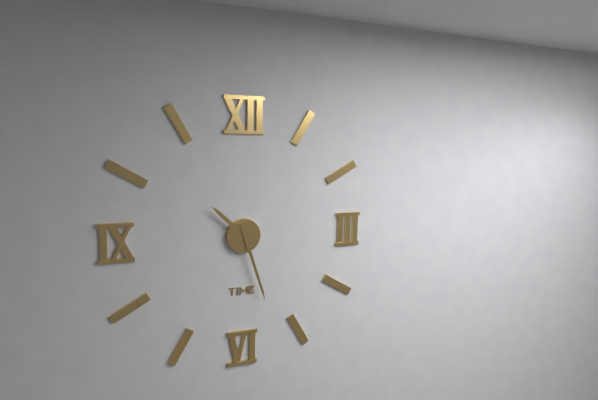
10h27
